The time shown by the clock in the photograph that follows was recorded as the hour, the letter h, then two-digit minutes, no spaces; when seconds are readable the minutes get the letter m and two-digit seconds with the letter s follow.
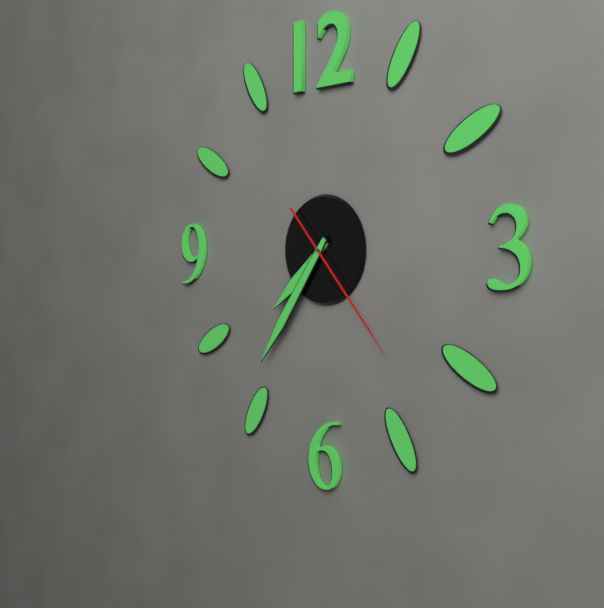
7h36m23s
